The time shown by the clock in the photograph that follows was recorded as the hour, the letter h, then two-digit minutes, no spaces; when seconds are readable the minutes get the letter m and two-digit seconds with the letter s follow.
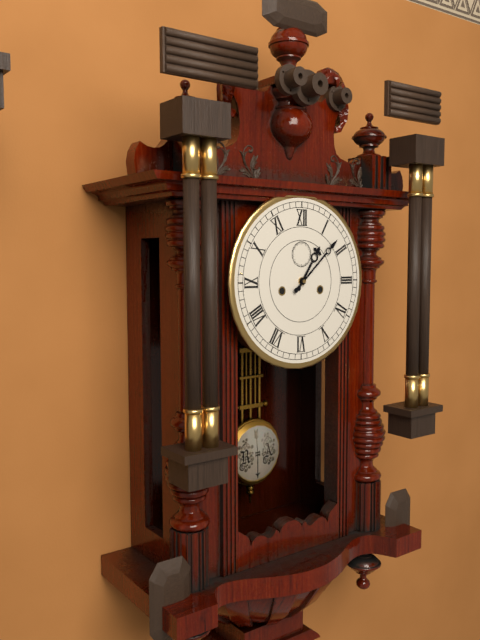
1h08
